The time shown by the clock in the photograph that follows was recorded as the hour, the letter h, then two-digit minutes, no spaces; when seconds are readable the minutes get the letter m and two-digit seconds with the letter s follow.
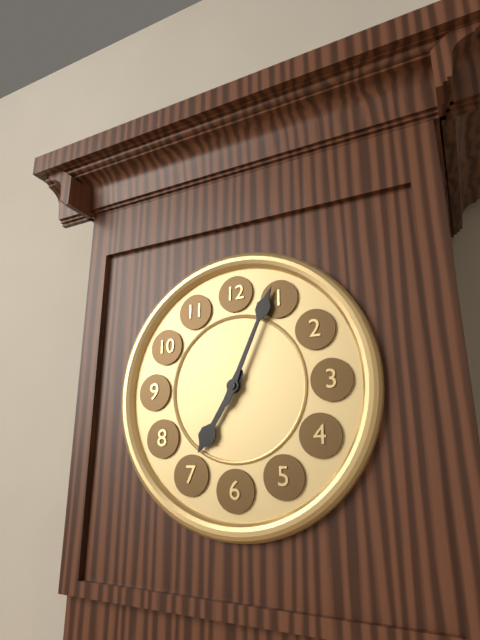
7h04
